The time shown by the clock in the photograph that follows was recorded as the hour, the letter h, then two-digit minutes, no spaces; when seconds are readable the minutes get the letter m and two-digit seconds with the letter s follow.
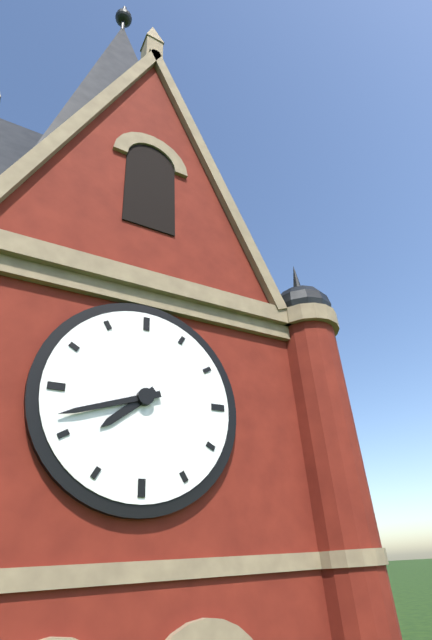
7h42
